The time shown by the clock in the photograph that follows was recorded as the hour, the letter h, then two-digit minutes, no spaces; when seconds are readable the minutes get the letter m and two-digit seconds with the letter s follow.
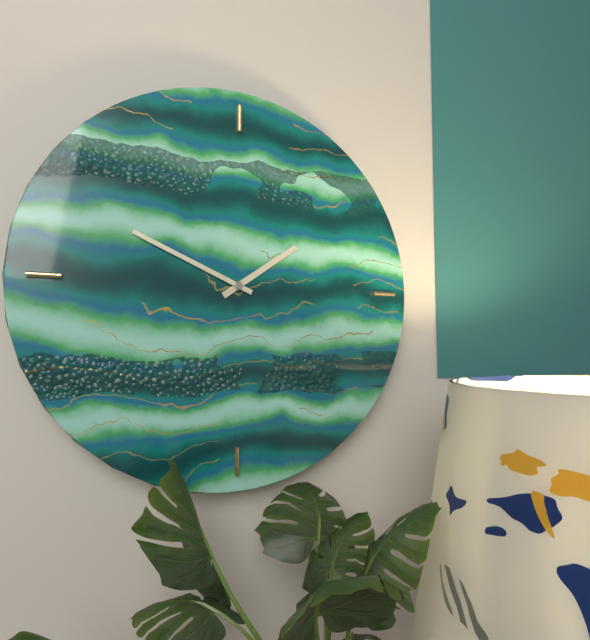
1h49
